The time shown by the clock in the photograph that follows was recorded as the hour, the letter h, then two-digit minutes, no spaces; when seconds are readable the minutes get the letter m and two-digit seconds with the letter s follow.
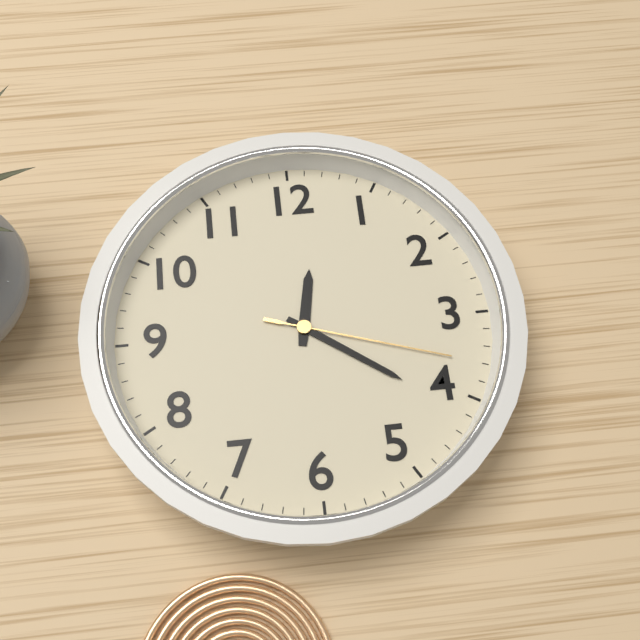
12h21m18s
